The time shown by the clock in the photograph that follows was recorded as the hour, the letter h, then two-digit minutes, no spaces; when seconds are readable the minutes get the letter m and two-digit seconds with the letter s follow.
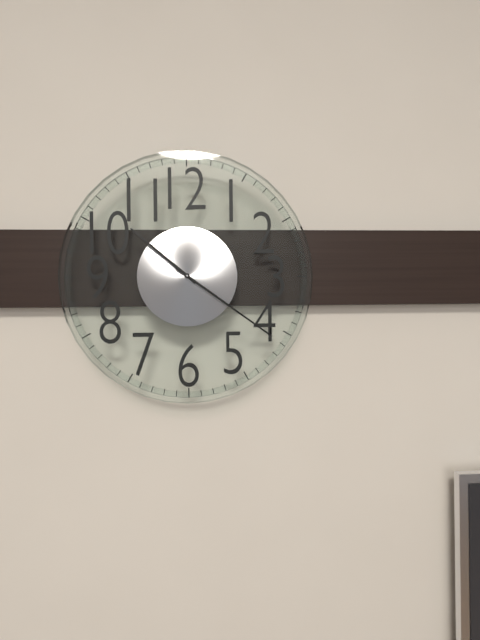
10h21
